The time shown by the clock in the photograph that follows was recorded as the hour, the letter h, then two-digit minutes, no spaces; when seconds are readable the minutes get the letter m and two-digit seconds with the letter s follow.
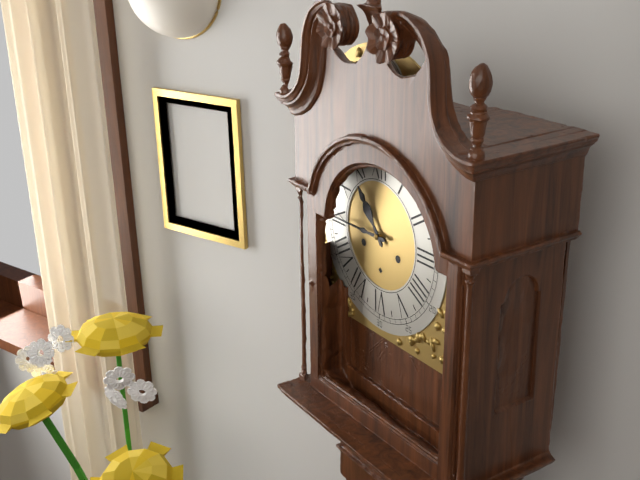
10h45
